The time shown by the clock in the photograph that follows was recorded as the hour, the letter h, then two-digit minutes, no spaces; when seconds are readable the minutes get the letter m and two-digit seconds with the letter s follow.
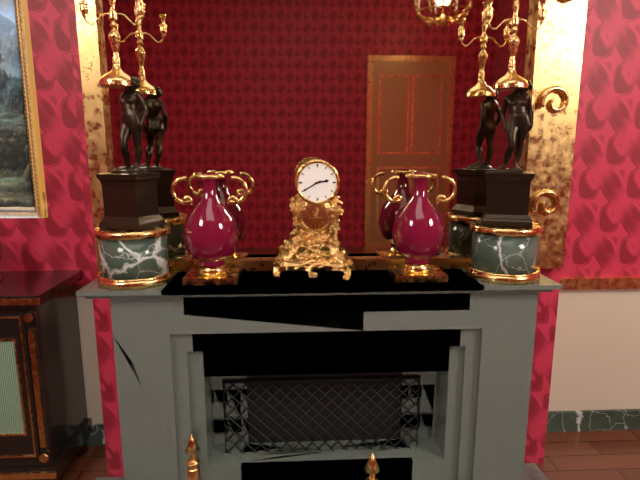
2h40
